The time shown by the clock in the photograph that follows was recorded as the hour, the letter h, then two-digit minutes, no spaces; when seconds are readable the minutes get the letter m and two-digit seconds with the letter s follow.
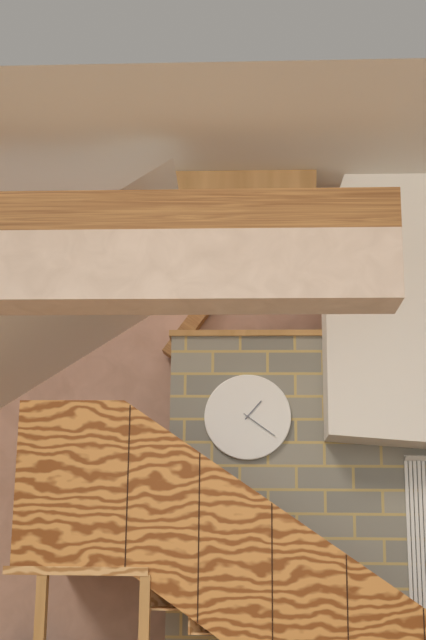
1h21
